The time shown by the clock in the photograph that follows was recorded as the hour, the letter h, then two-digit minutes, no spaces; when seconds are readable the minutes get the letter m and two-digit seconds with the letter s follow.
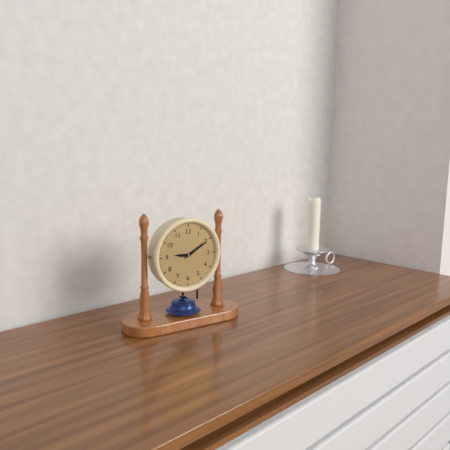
9h10
